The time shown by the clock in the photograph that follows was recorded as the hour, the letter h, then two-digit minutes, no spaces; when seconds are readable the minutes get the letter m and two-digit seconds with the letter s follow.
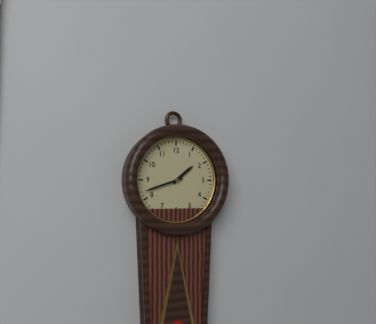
1h42
